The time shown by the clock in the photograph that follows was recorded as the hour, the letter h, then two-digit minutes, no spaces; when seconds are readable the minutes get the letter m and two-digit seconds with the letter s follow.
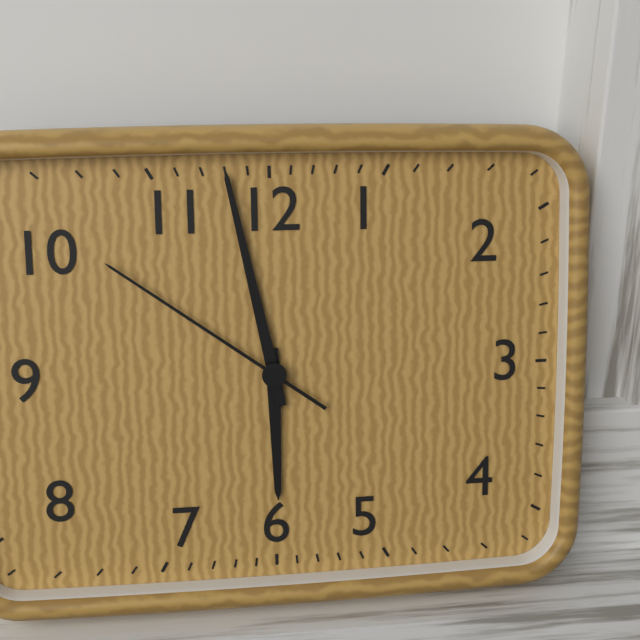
5h58m51s
